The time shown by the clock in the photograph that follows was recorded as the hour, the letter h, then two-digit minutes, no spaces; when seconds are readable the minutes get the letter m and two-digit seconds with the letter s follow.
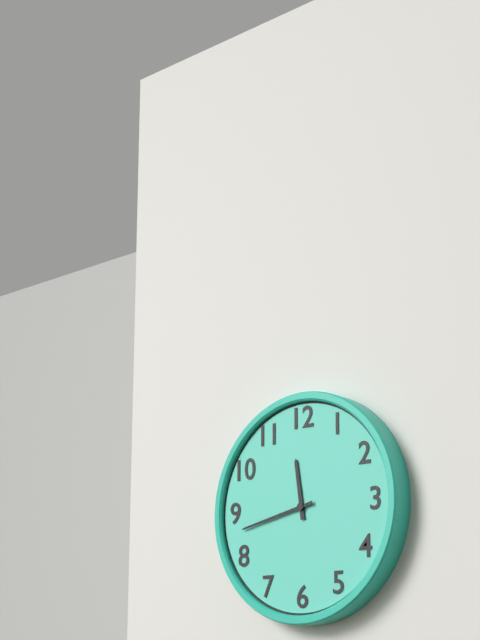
11h43
